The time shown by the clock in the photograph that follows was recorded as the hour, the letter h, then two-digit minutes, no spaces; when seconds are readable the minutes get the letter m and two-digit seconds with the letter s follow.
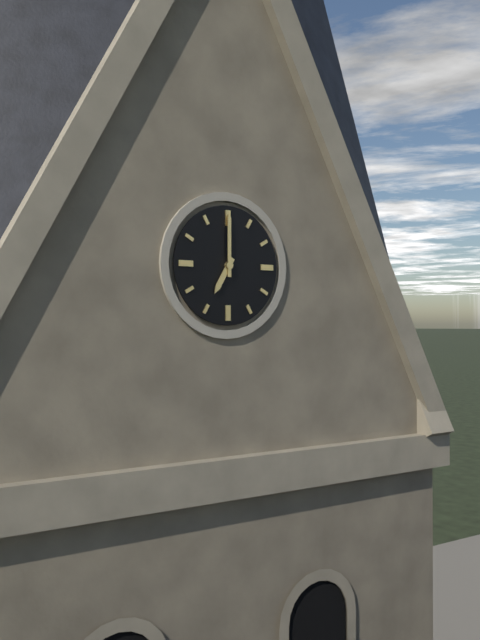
7h00
